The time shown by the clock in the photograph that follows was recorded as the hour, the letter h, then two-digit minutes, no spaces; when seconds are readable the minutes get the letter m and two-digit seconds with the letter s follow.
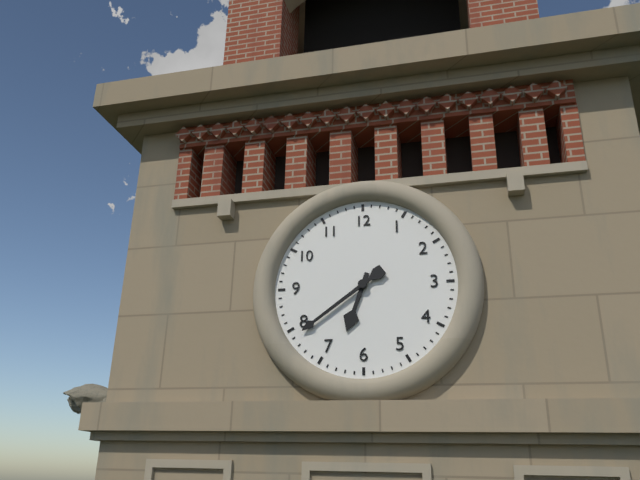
6h39
